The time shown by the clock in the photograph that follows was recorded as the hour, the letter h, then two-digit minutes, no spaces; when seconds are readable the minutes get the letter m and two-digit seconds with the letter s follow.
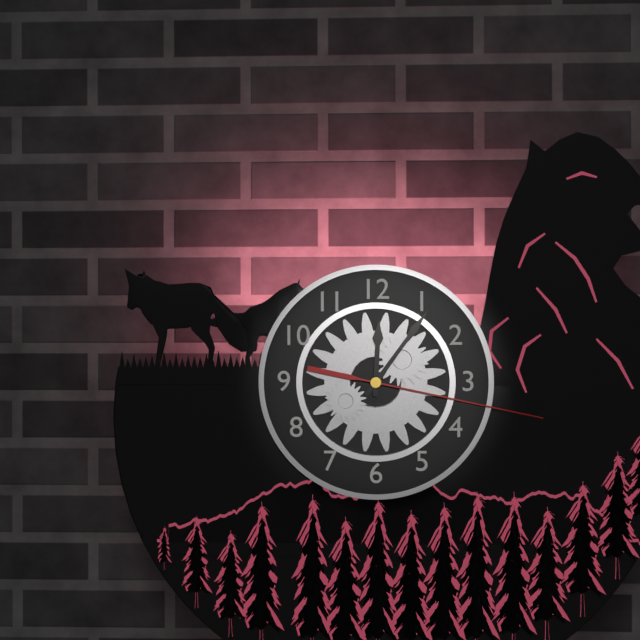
12h06m17s
